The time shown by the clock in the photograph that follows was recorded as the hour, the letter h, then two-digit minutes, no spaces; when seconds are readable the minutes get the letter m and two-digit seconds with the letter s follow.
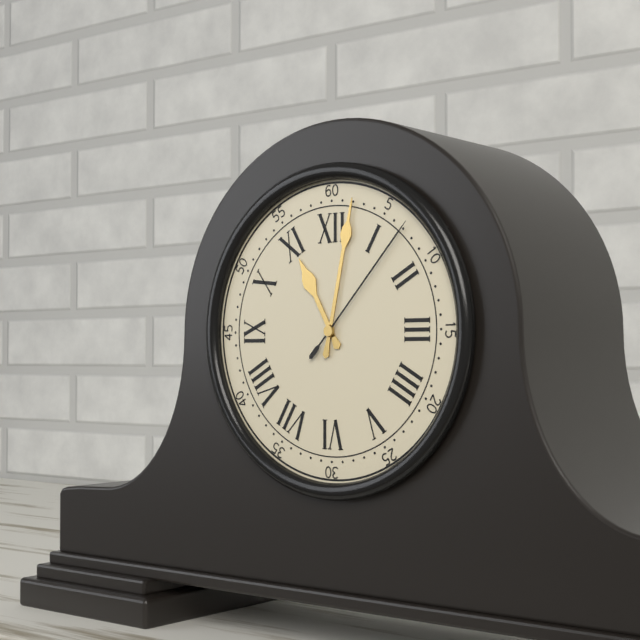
11h02m07s
